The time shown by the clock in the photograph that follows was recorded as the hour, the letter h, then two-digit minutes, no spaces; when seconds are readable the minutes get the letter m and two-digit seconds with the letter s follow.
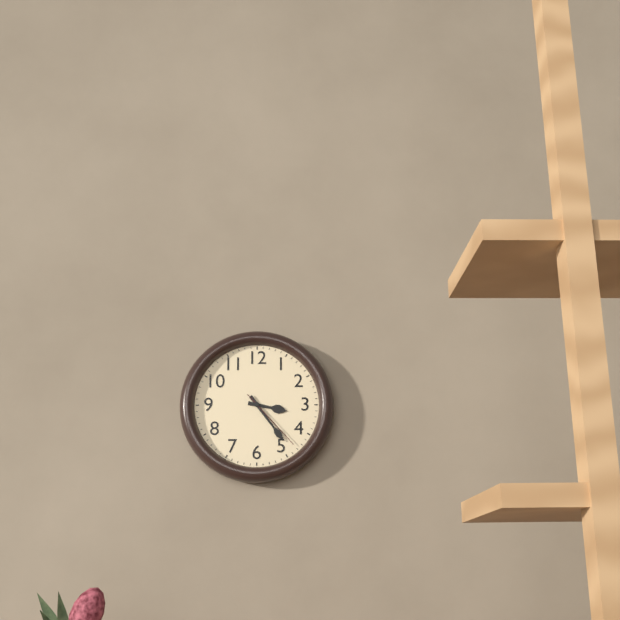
3h24m23s
